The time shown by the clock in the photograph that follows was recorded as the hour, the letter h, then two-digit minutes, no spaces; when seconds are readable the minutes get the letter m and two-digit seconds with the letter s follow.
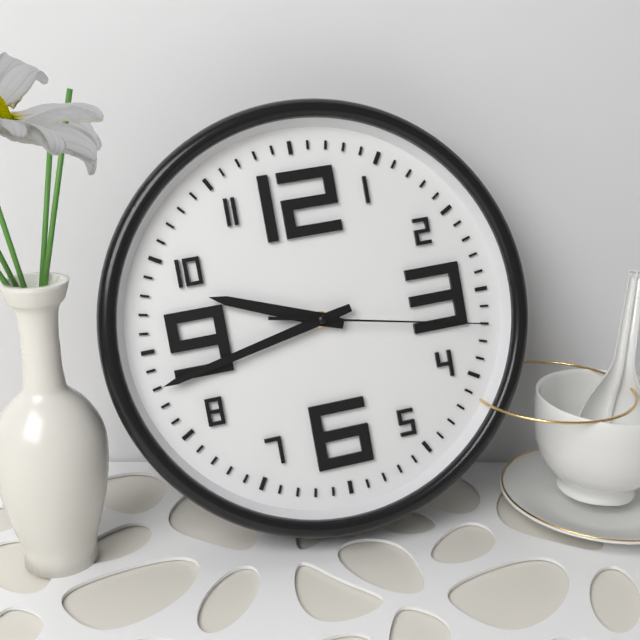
9h43m17s
